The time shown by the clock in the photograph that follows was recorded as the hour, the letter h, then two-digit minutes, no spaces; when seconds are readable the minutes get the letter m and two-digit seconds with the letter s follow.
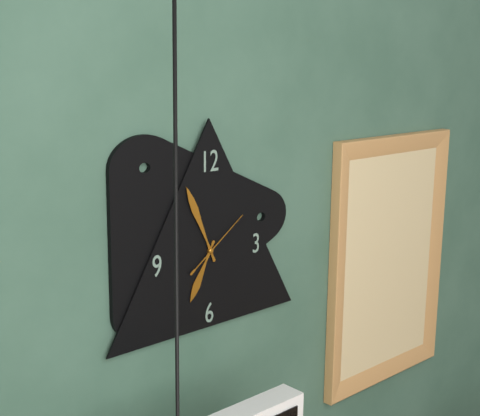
6h56m09s
